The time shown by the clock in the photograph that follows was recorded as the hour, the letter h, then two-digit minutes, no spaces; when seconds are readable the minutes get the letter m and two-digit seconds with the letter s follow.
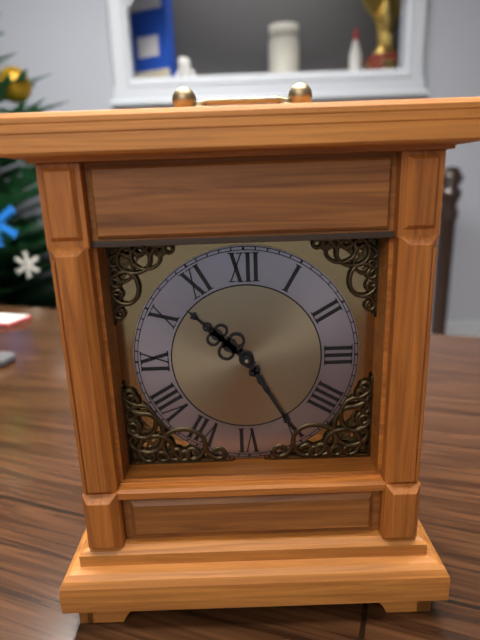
10h25
